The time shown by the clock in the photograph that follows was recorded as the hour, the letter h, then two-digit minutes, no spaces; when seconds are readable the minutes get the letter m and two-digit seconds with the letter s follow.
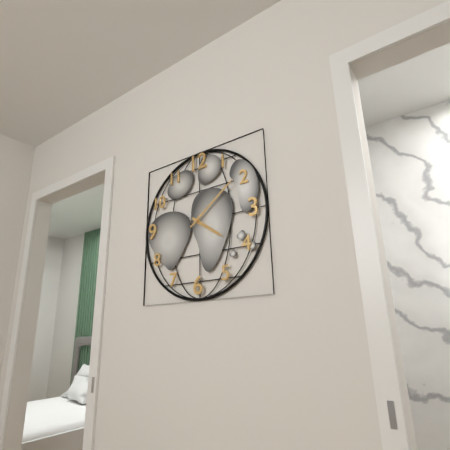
4h09
